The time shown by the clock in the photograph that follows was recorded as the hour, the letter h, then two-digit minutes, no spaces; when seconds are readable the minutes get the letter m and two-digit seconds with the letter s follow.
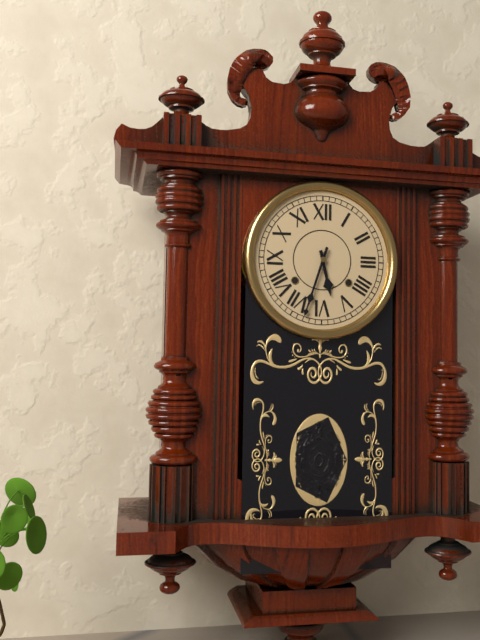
5h33
